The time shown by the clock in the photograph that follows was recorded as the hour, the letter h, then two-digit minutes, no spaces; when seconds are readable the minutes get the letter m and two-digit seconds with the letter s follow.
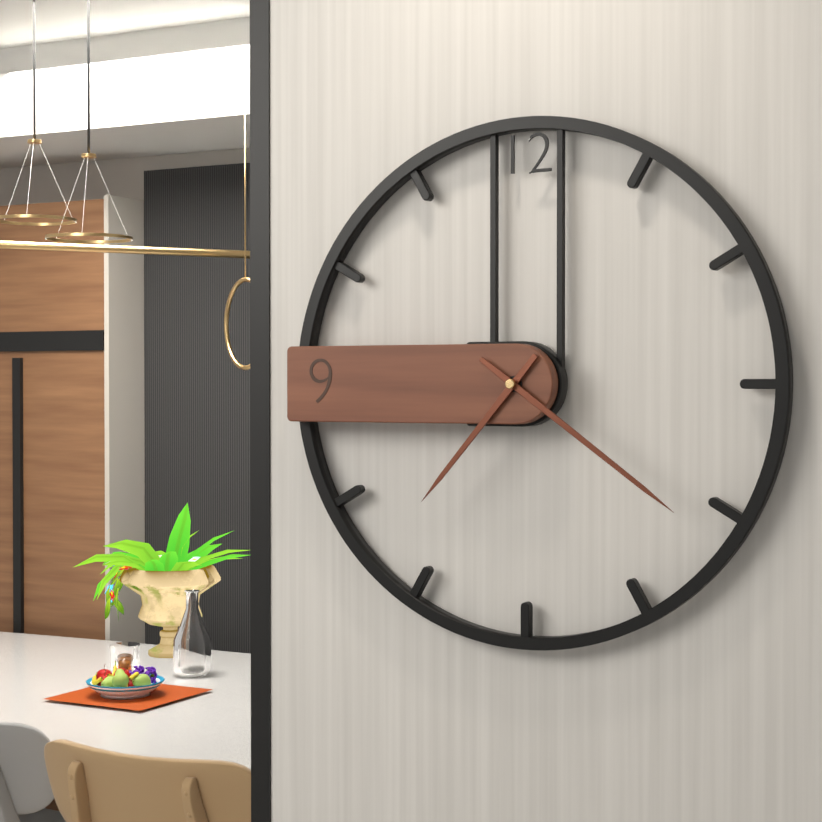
7h21
